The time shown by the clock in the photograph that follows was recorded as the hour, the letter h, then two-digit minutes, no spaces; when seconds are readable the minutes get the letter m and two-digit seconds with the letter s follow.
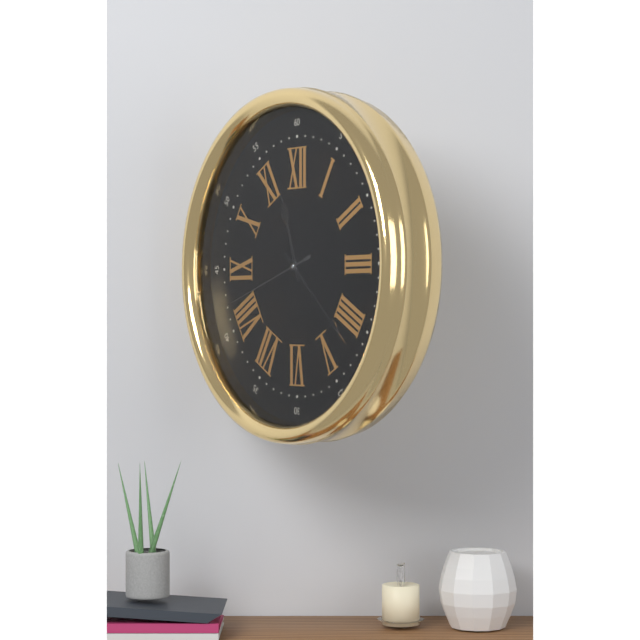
11h22m42s
